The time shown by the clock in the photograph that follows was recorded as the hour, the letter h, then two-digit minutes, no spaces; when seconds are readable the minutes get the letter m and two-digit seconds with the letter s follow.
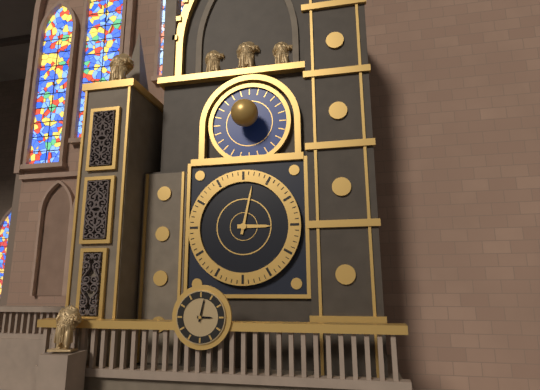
3h02
